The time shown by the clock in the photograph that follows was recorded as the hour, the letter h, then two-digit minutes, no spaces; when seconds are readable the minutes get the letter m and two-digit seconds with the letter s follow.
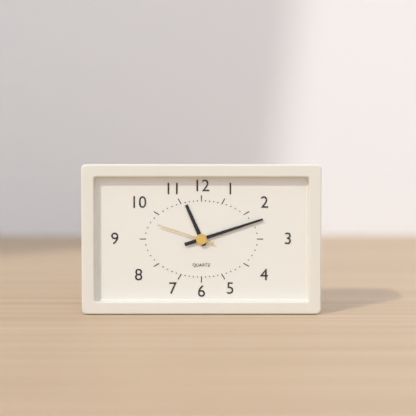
11h12m48s
